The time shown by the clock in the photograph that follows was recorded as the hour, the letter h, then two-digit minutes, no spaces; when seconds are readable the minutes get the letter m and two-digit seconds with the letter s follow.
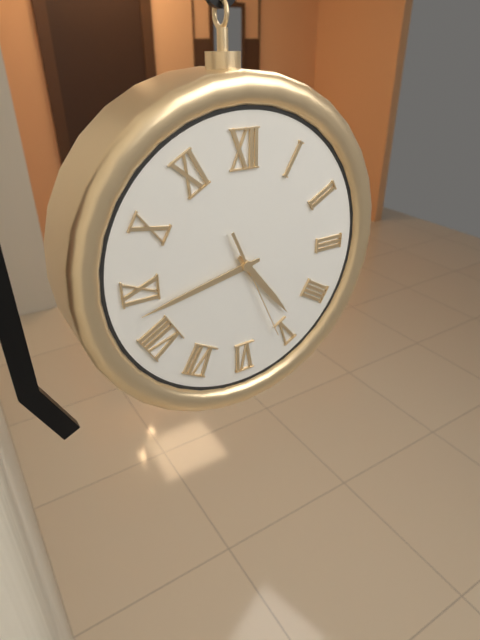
4h43m26s
